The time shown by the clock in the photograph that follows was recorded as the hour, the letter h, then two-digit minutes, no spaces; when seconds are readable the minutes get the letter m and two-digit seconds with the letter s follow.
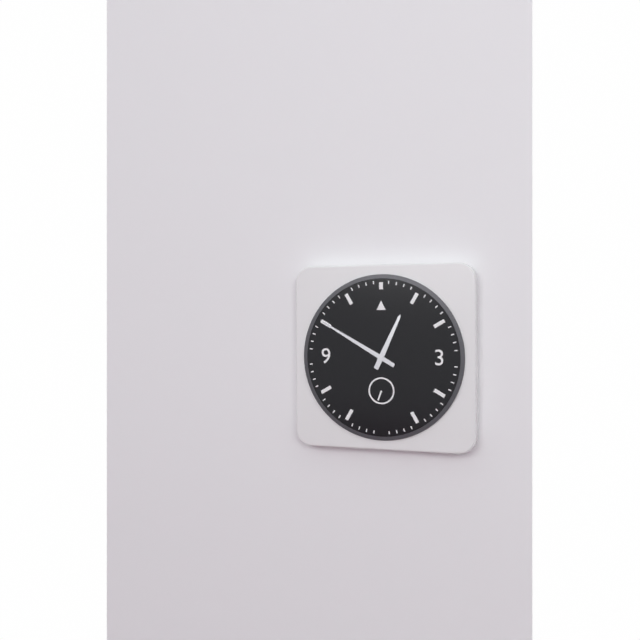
12h50
